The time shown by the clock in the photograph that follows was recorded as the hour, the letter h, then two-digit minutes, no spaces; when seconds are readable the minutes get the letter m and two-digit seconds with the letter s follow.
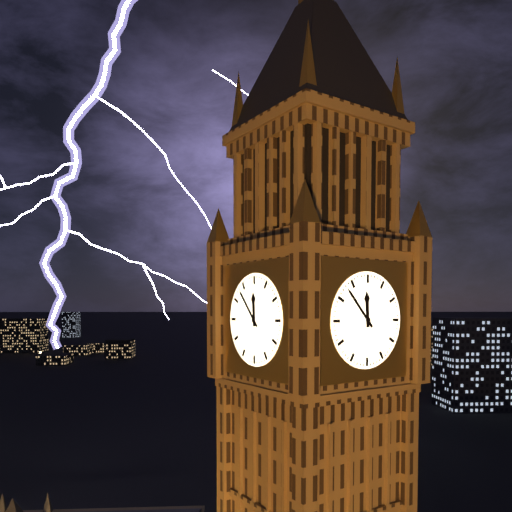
11h53
